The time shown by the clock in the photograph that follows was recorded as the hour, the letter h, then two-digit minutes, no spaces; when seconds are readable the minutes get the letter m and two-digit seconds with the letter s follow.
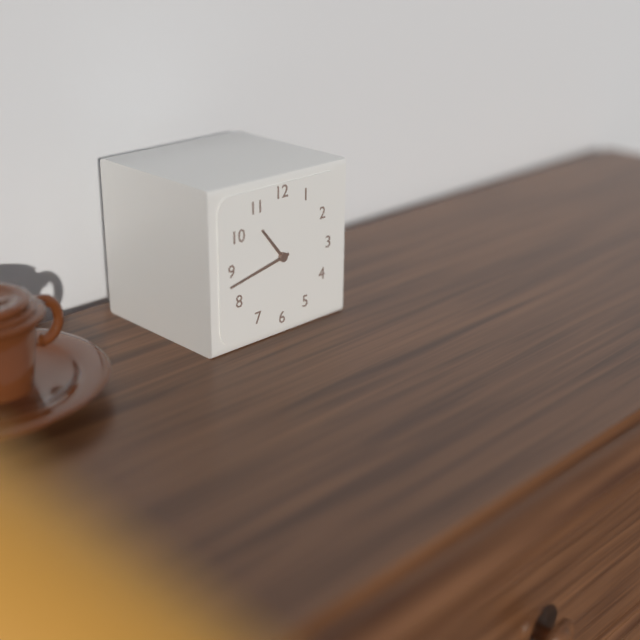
10h43
